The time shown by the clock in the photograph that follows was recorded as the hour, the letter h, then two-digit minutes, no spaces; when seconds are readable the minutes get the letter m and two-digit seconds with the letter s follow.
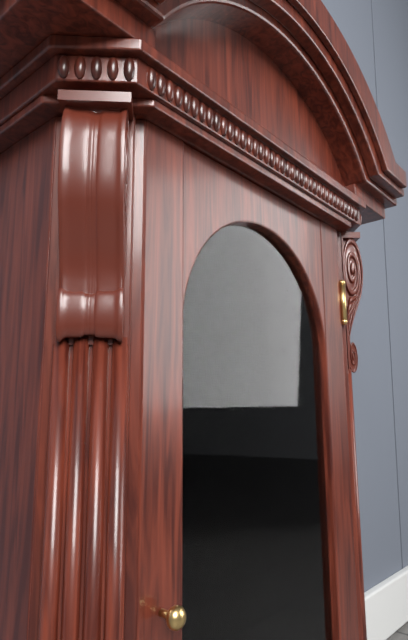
4h15
